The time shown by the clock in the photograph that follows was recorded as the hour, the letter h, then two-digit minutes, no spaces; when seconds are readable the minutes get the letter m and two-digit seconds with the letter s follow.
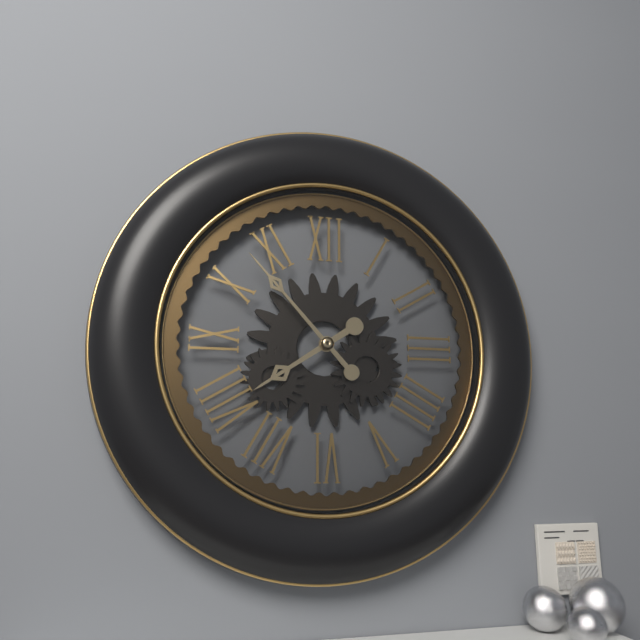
7h53
